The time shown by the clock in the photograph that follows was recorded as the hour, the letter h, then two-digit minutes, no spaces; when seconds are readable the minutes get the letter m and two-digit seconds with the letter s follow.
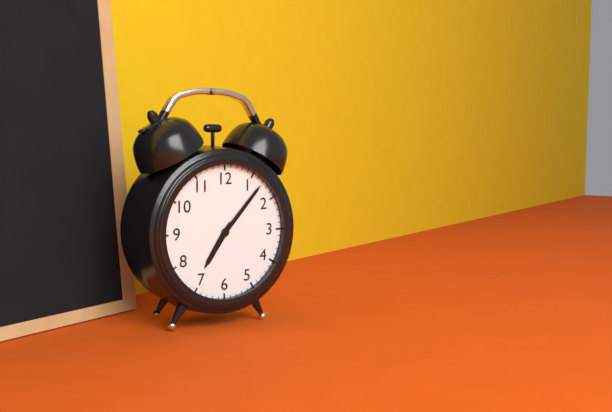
7h07
